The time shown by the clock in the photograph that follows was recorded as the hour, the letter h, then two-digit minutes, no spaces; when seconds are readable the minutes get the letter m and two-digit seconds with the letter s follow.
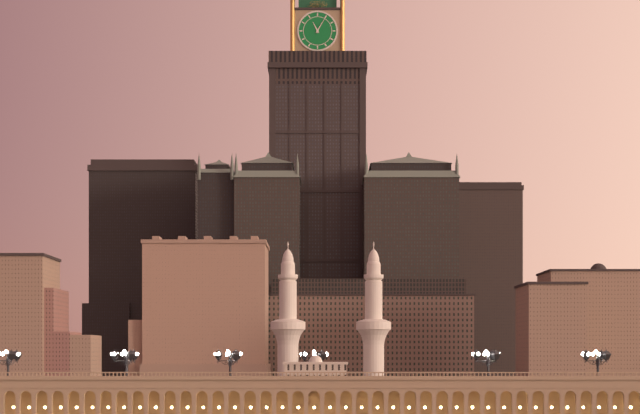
11h05
